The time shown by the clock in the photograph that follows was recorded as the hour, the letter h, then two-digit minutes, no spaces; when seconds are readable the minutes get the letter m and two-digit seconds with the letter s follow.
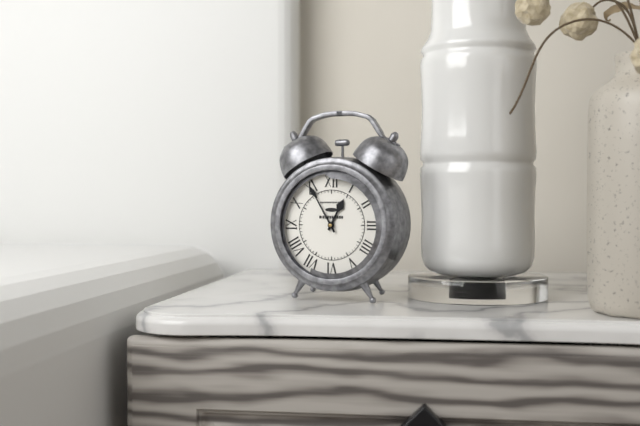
12h55
